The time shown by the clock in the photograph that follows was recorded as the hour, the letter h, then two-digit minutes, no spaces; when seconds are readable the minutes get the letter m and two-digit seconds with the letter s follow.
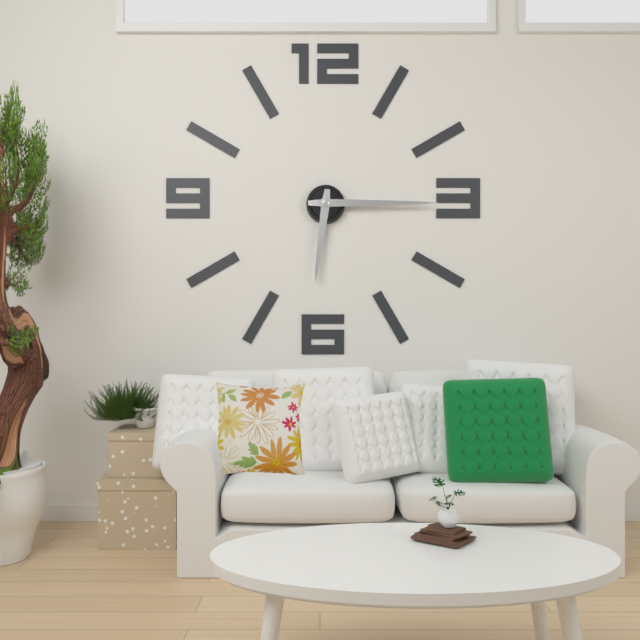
6h15
